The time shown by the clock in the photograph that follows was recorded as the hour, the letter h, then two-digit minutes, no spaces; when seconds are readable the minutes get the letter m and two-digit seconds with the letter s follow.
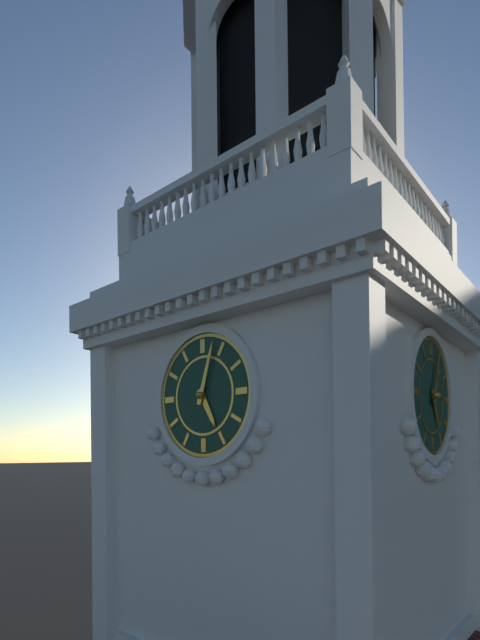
5h03
